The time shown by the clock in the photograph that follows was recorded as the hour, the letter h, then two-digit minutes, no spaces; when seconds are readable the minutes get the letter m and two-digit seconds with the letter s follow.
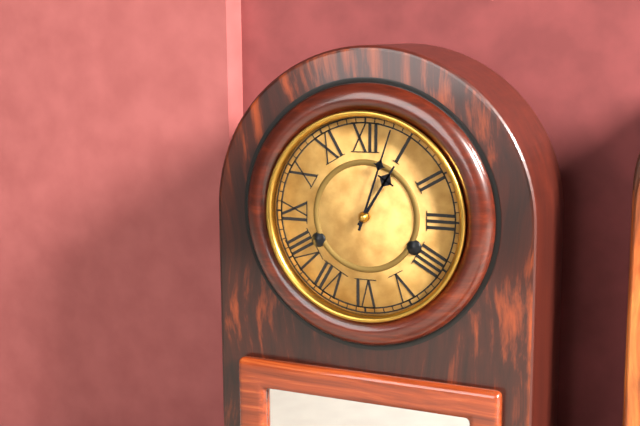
1h03
